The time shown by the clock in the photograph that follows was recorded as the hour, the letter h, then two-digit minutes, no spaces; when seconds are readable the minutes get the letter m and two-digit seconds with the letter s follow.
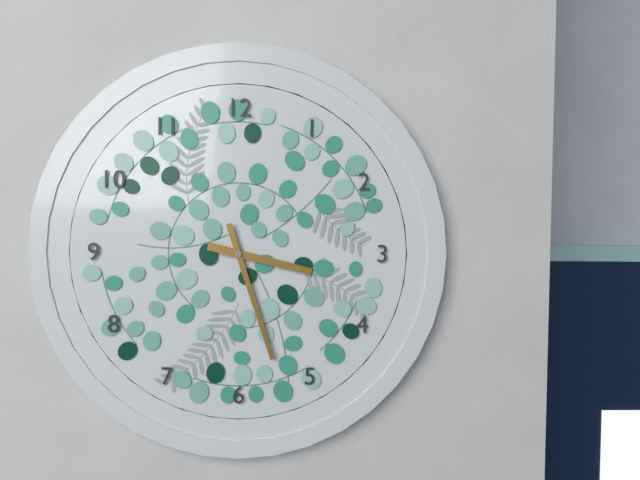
3h27
